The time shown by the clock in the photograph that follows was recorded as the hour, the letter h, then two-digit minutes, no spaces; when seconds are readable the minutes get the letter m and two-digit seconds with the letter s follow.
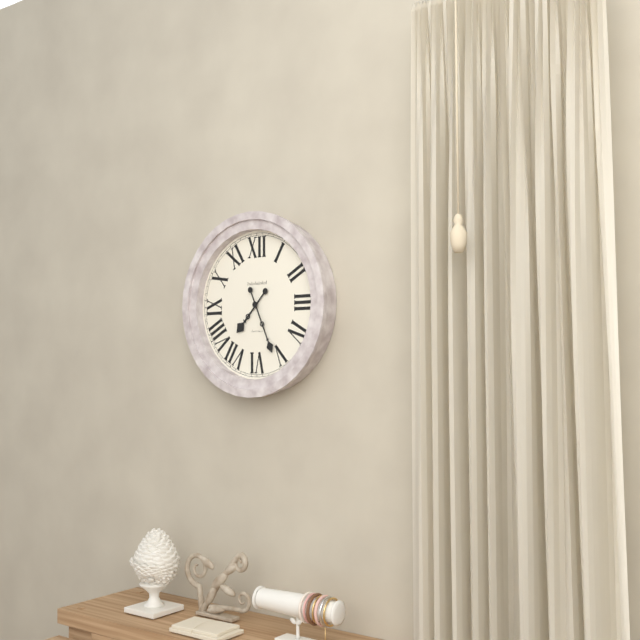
7h26
